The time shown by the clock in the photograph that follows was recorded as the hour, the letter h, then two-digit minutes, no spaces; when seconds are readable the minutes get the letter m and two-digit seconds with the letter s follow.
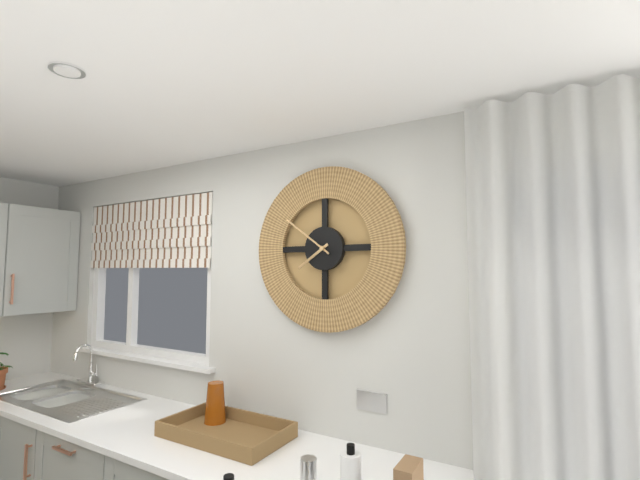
7h51
